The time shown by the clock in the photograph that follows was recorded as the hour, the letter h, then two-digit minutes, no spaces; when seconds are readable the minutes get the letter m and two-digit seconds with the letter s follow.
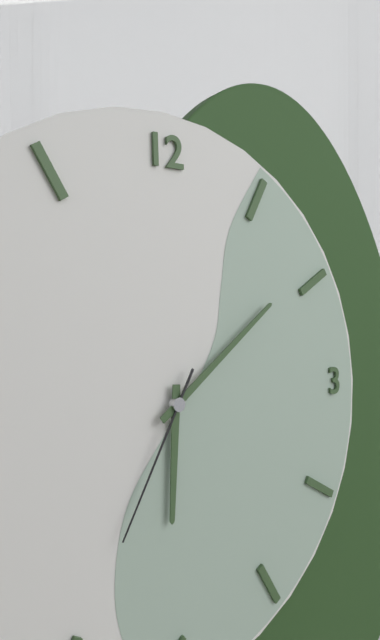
6h09m35s
